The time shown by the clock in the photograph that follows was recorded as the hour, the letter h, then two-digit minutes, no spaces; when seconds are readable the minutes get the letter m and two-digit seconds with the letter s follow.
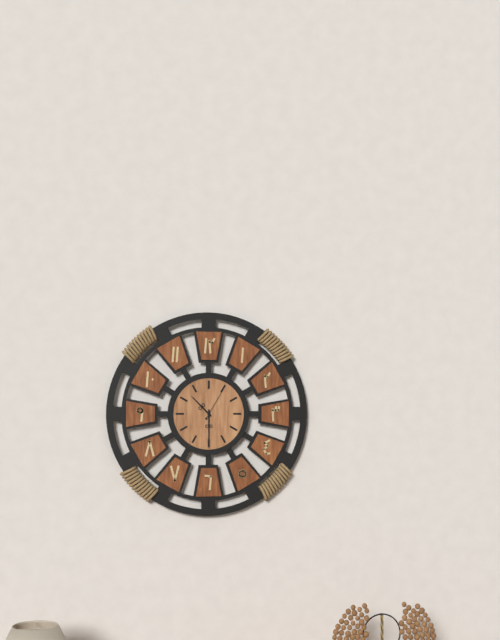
10h30
